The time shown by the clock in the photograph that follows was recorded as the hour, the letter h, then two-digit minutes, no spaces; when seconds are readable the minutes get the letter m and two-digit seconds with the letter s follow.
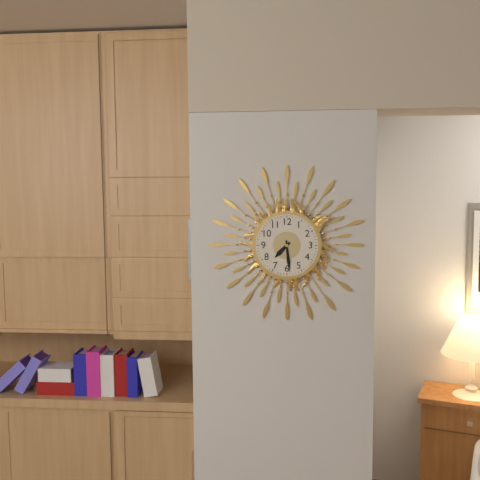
7h29
